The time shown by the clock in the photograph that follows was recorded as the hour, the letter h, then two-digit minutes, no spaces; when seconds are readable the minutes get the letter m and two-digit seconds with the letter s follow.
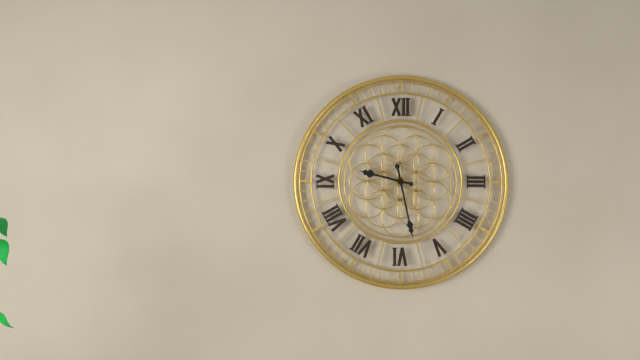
9h28
